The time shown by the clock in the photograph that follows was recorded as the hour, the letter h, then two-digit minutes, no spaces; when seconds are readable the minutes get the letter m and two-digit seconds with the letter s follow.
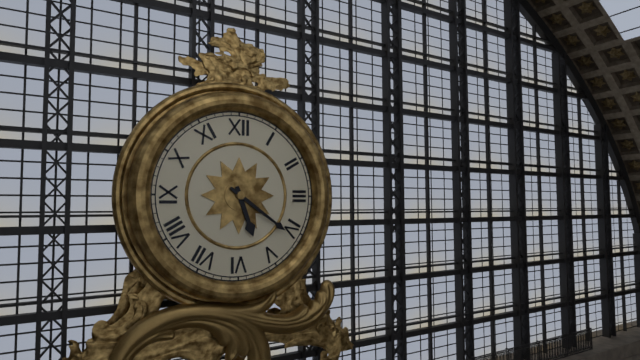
5h21
